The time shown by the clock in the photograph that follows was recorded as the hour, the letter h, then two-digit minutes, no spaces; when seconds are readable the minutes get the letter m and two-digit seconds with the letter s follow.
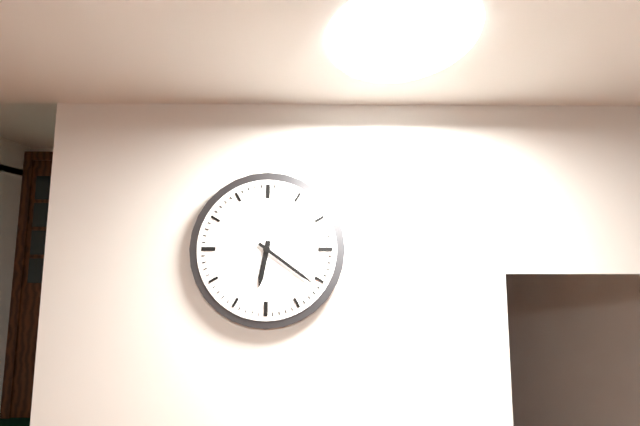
6h21
